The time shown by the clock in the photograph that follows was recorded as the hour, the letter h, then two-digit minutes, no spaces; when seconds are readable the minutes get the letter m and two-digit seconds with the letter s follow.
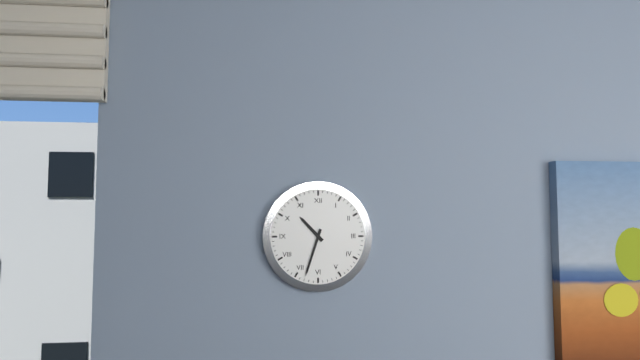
10h33
